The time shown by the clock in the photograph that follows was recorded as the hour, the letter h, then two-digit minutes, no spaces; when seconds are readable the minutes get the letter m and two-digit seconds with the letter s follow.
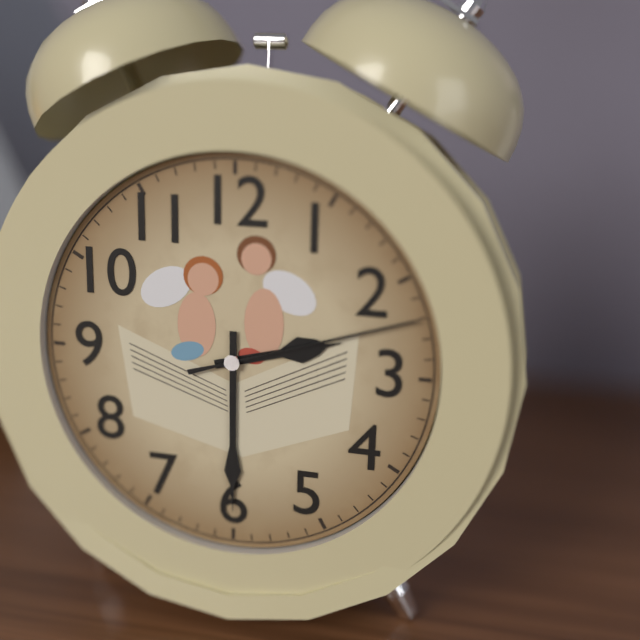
2h30m12s
